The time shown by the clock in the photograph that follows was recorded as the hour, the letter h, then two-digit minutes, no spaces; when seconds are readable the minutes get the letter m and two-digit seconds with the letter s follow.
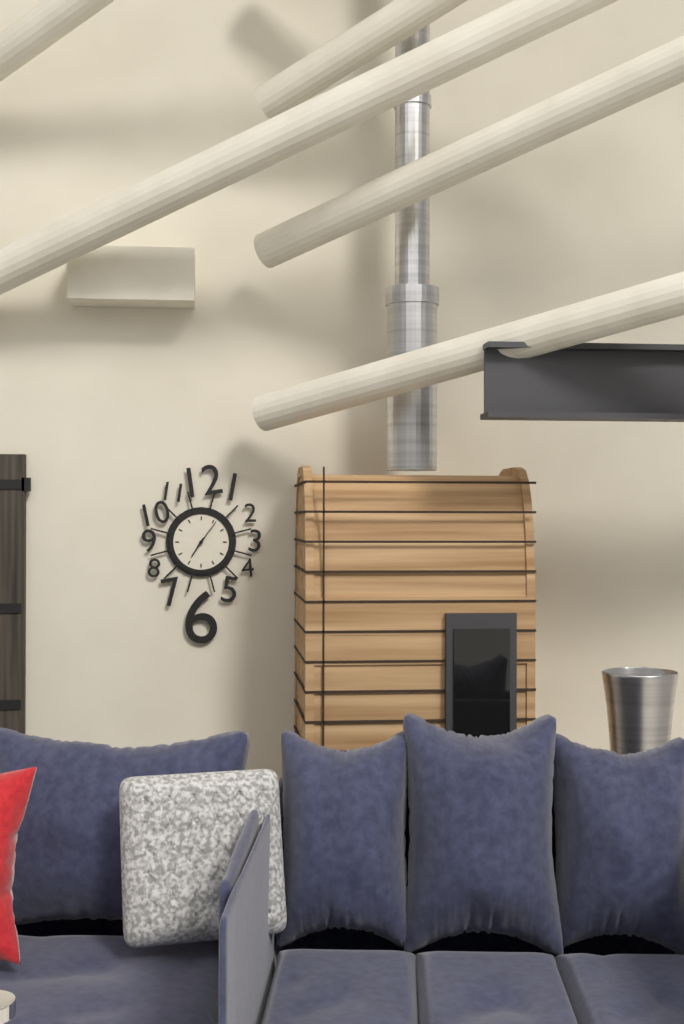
7h06
